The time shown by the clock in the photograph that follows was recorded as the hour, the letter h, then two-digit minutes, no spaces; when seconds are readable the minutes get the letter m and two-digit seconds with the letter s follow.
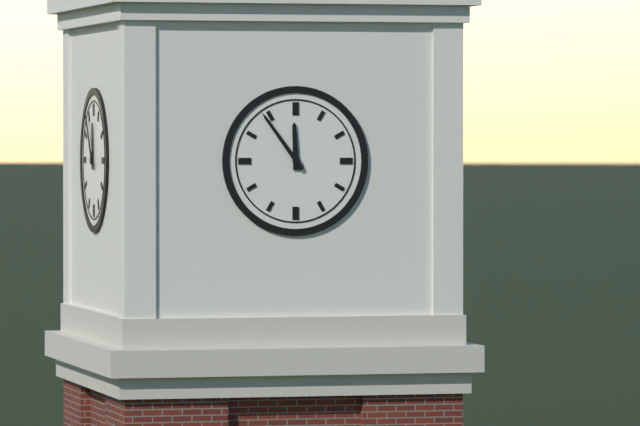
11h54
